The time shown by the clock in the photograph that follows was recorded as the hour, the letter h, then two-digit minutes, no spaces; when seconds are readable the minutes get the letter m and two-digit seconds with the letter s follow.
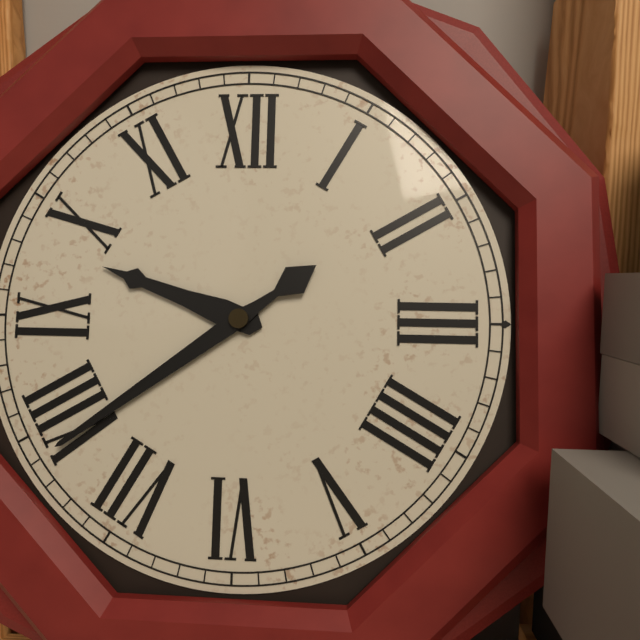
9h39
